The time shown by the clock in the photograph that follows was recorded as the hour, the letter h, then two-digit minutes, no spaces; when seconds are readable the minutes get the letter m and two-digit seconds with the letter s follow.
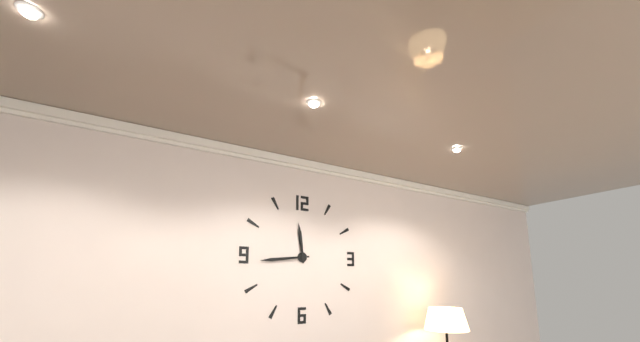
11h44
